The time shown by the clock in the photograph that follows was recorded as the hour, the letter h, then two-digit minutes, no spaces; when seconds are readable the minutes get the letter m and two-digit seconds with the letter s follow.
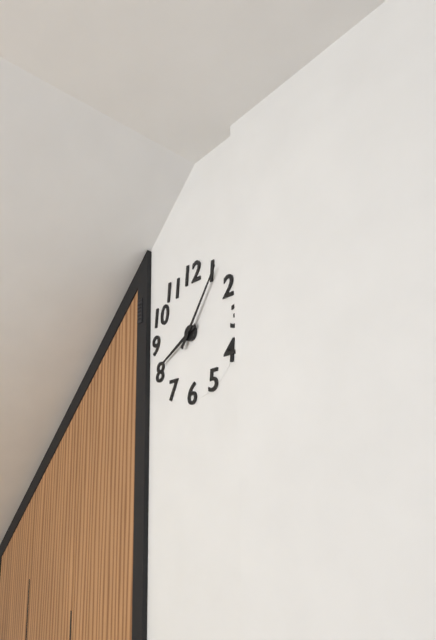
8h06
